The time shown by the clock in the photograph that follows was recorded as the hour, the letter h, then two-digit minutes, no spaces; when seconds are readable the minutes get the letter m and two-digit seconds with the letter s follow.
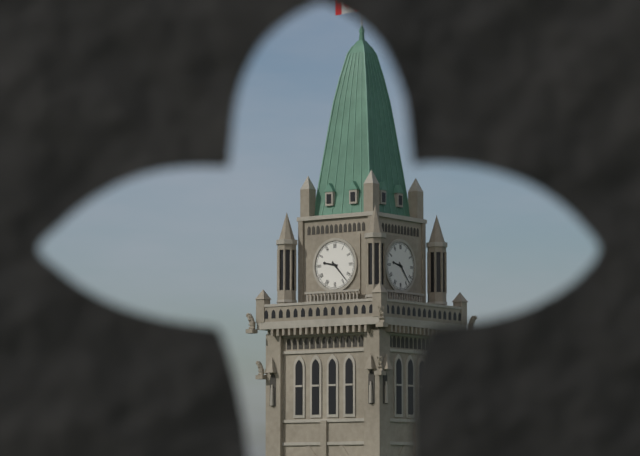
9h23
